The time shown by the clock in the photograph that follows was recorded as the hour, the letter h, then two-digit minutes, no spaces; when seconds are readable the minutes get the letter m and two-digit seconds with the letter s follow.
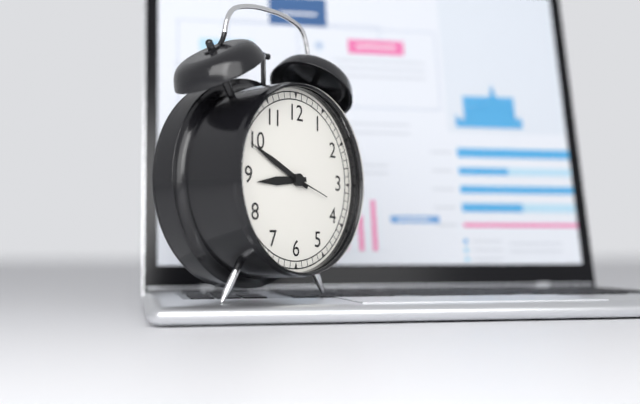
8h49
